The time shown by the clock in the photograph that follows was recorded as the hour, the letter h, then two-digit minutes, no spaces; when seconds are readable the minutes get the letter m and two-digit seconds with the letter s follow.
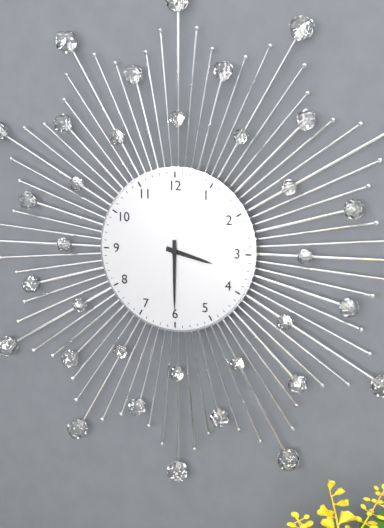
3h30
